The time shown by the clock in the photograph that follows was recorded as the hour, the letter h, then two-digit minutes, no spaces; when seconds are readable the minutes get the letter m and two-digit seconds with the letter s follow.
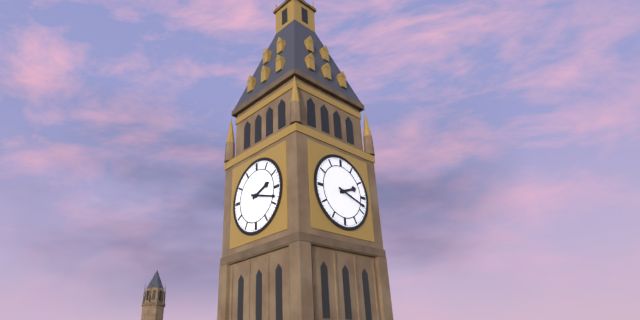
2h18
